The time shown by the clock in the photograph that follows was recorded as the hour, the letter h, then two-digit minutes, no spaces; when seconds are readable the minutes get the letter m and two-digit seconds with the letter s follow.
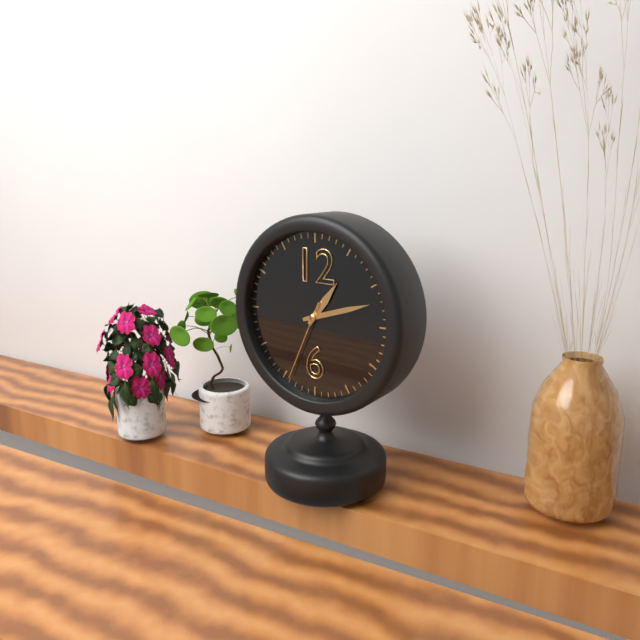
1h12m34s
